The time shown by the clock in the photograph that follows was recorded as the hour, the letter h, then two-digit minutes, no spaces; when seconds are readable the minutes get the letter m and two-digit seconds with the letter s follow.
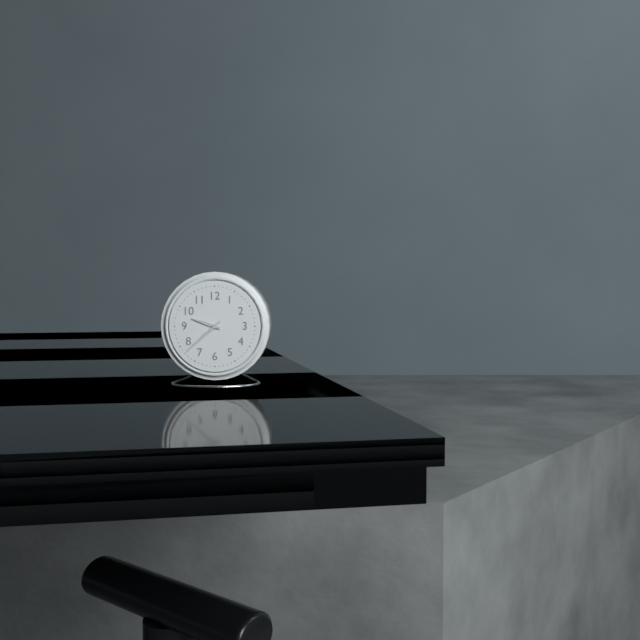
9h38
